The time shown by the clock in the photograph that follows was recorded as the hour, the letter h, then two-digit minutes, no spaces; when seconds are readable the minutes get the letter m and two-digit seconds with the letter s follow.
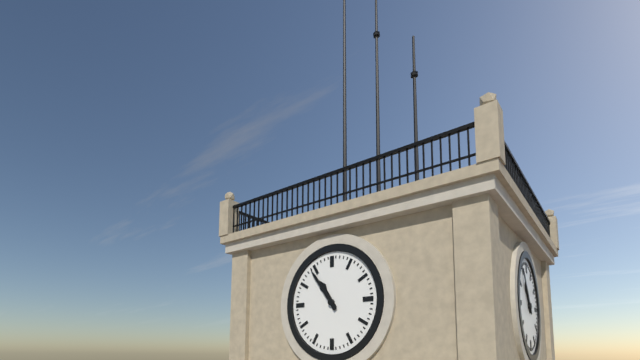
10h54
